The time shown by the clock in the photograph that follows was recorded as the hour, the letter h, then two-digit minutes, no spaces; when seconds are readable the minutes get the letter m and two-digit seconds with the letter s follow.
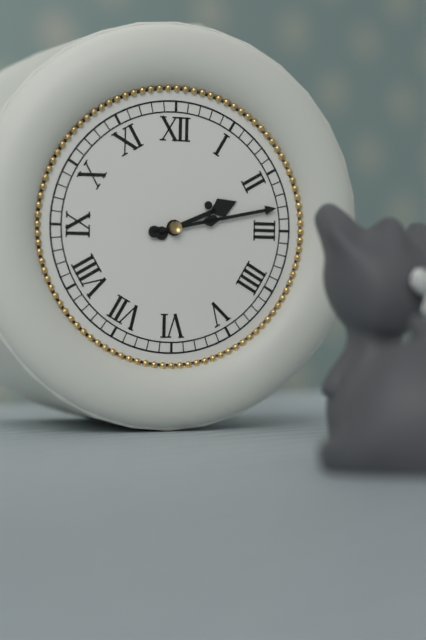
2h13
